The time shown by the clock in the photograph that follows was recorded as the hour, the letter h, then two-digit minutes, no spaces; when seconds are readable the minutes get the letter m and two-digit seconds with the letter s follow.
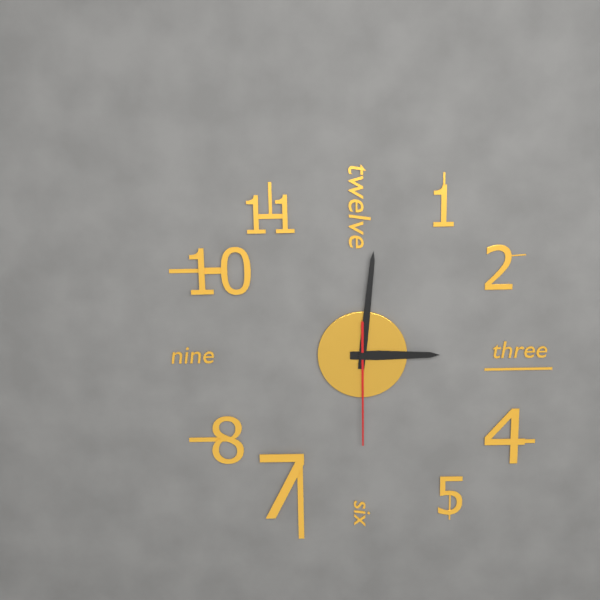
3h01m30s
